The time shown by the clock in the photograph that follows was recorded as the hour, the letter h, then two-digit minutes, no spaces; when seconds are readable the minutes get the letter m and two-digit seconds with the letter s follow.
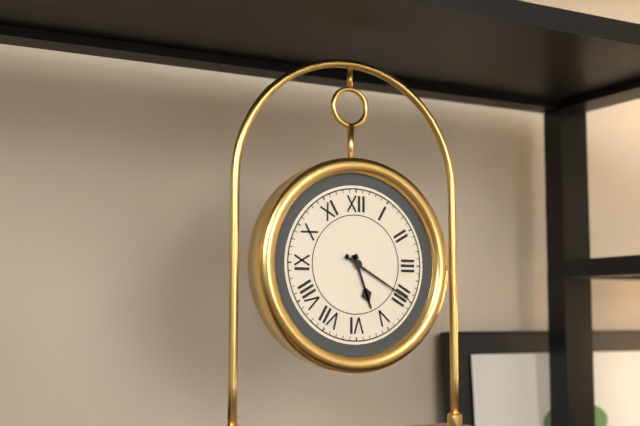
5h20
